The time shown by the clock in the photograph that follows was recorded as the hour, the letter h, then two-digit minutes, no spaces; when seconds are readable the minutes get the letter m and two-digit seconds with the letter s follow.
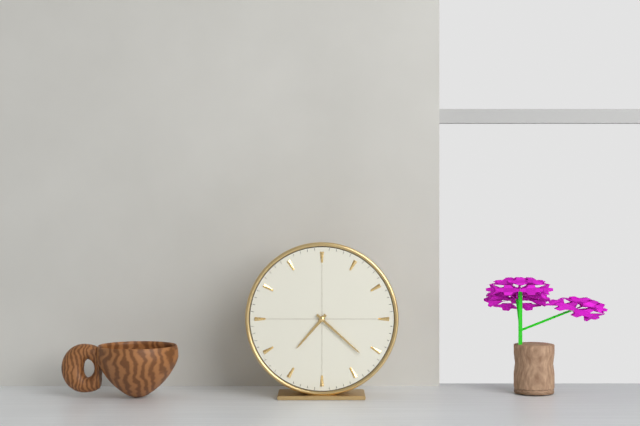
7h22
